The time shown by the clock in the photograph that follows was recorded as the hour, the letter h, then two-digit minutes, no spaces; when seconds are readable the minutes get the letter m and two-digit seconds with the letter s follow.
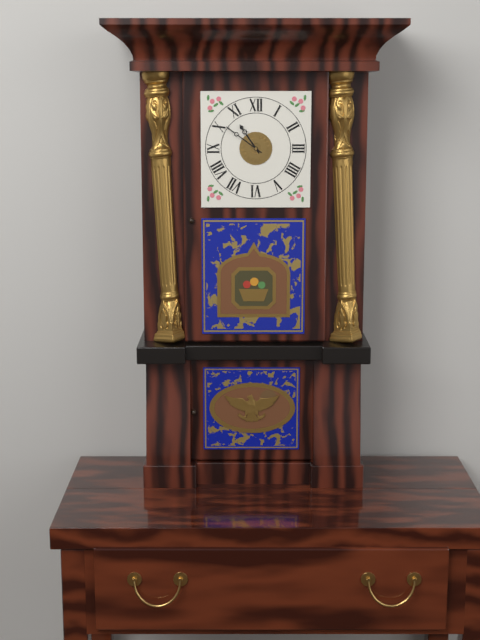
10h51
